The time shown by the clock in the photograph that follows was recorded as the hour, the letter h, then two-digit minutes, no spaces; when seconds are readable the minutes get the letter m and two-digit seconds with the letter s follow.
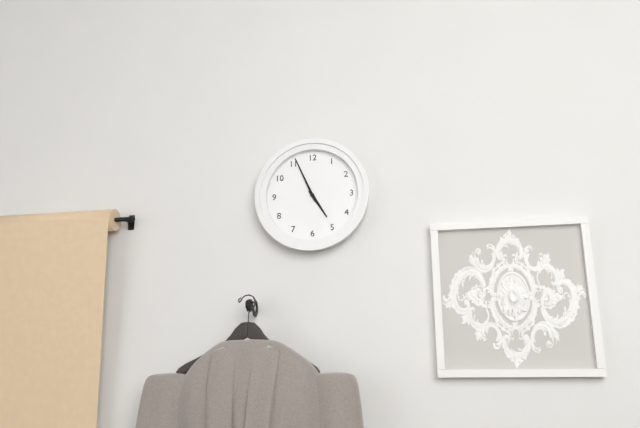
4h56
